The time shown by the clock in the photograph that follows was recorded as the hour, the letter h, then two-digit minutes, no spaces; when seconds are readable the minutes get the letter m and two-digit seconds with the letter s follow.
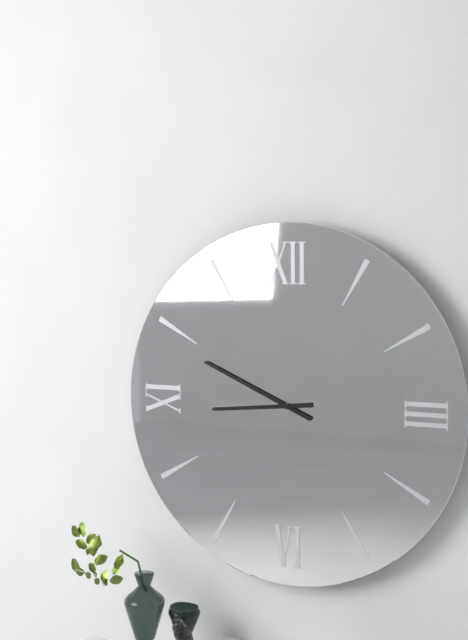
8h49
